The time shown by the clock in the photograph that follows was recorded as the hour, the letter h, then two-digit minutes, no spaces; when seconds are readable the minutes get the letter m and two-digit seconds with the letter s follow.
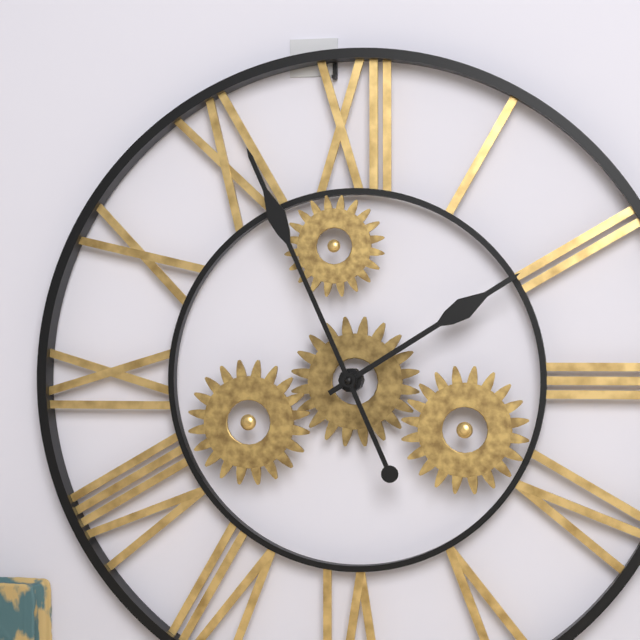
1h56
